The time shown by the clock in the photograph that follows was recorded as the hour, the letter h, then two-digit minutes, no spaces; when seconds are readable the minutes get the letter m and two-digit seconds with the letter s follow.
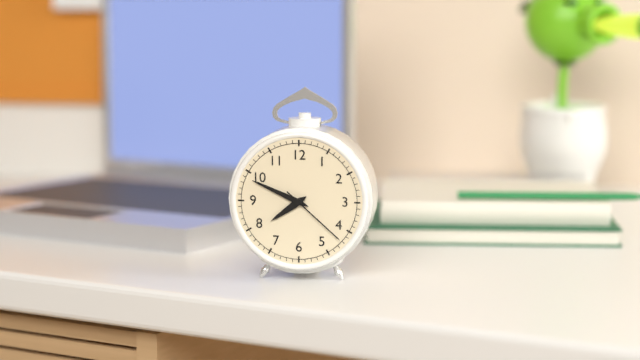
7h49m22s
